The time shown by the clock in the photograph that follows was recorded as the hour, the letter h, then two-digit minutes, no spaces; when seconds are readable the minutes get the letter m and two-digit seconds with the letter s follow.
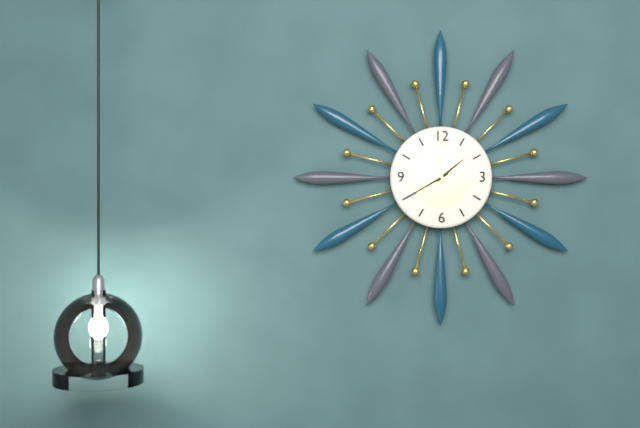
1h40m00s
